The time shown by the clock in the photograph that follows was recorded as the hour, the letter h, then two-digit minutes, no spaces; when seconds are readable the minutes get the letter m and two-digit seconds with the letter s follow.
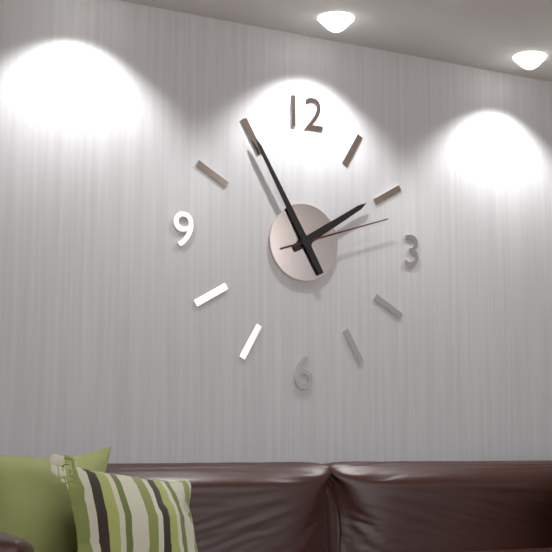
1h55m12s
